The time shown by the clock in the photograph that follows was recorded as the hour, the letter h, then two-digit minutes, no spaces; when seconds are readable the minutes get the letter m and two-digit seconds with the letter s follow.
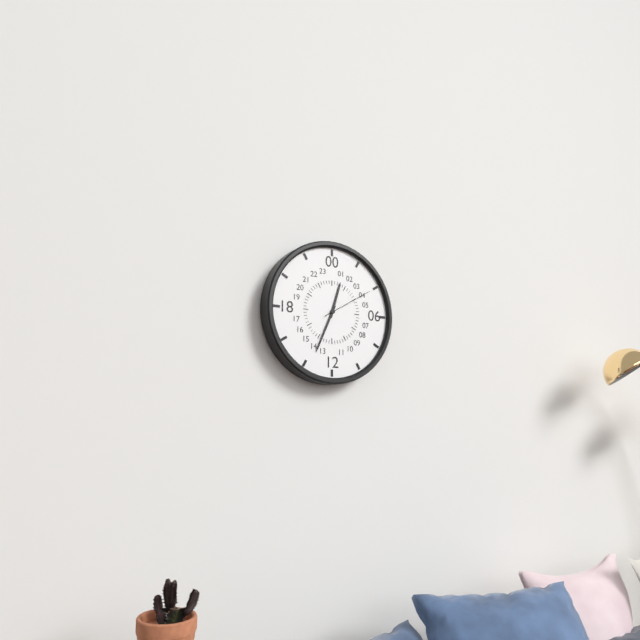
12h34m10s
